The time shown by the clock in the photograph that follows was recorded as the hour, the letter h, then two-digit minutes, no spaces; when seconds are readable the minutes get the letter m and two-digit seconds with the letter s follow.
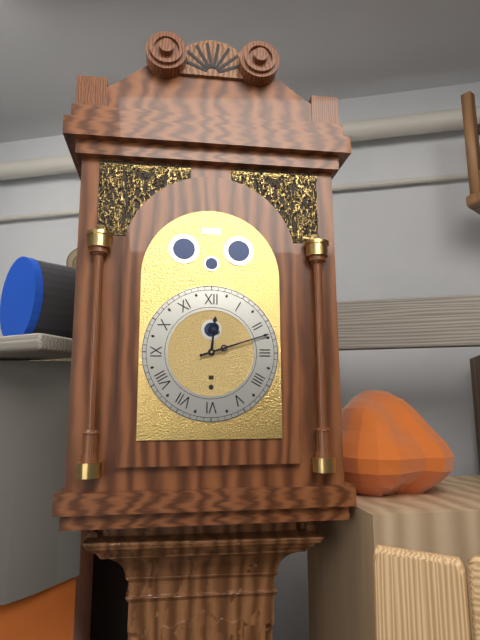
12h12
